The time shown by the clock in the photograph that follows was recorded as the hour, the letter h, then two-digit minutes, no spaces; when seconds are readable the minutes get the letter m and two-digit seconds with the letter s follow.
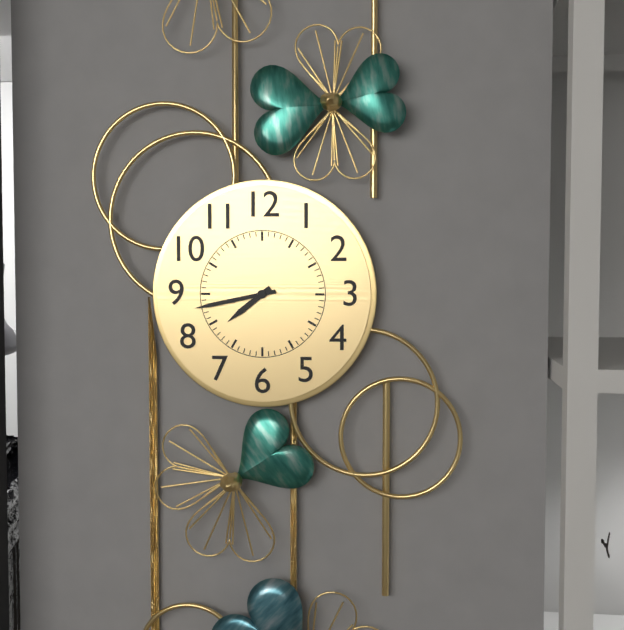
7h43
